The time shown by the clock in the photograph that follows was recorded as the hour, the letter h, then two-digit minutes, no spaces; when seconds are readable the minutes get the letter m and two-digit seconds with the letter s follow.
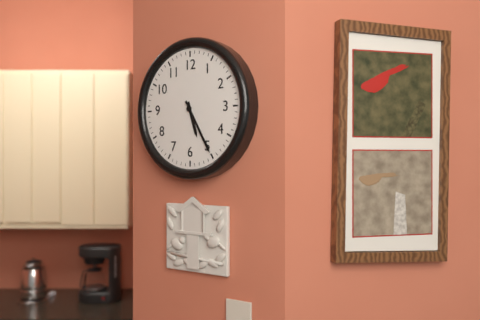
5h25
